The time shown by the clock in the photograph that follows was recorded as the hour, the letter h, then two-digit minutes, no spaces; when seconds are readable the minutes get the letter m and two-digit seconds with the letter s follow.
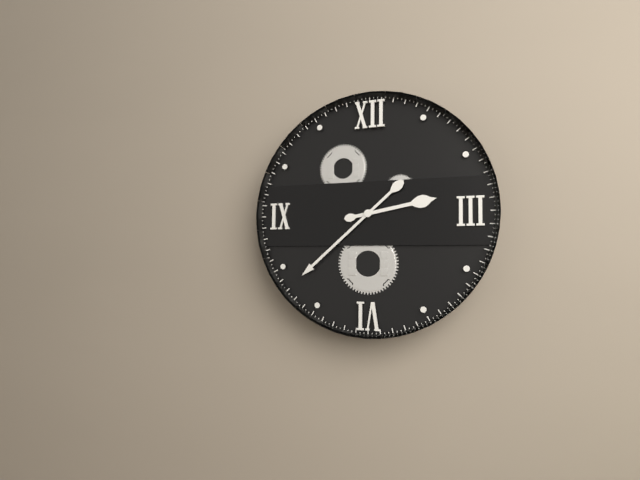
2h38
